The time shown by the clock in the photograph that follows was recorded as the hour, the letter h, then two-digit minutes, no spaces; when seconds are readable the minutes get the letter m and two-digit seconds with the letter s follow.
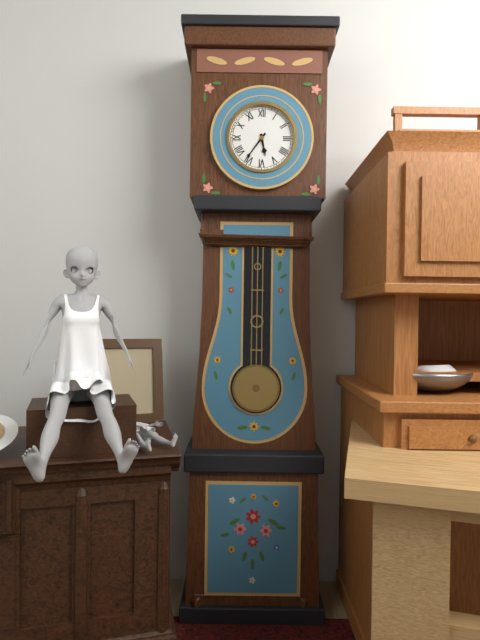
5h36
